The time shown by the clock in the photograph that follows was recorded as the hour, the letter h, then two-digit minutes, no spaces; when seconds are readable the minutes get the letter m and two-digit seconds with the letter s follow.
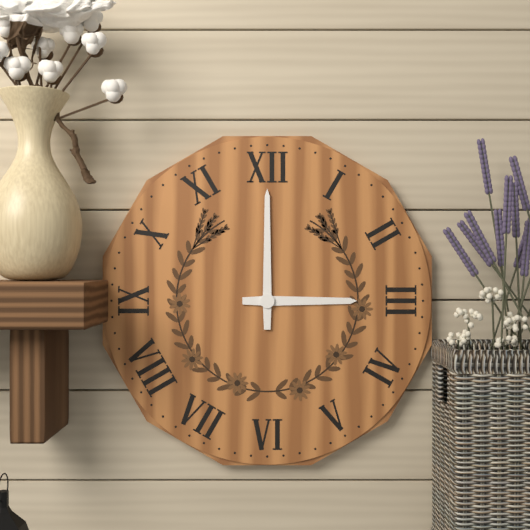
3h00
